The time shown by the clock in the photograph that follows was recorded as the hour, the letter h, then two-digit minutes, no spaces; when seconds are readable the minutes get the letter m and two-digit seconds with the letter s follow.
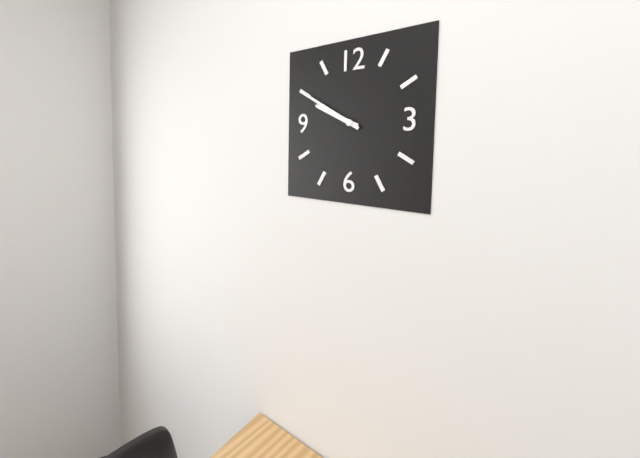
9h50
